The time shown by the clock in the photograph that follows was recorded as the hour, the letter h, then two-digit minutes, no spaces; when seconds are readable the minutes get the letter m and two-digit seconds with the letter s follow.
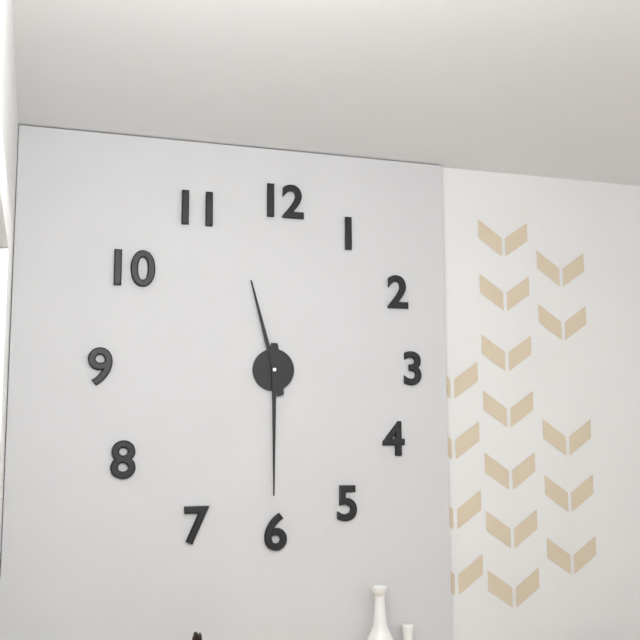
11h30
